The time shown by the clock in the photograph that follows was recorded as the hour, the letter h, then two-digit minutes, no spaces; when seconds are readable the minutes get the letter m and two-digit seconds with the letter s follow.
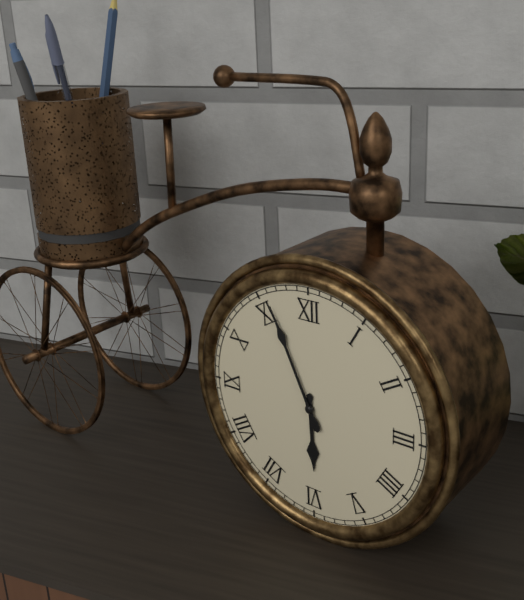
5h56
